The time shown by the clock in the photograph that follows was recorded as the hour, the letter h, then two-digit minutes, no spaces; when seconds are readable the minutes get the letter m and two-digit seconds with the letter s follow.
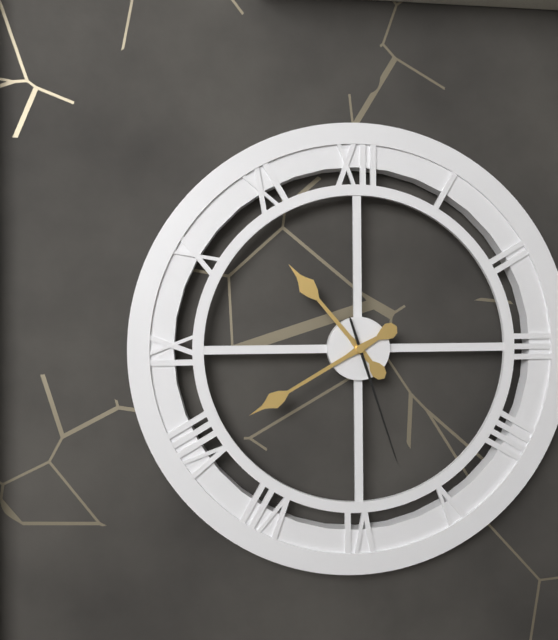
10h40m27s
